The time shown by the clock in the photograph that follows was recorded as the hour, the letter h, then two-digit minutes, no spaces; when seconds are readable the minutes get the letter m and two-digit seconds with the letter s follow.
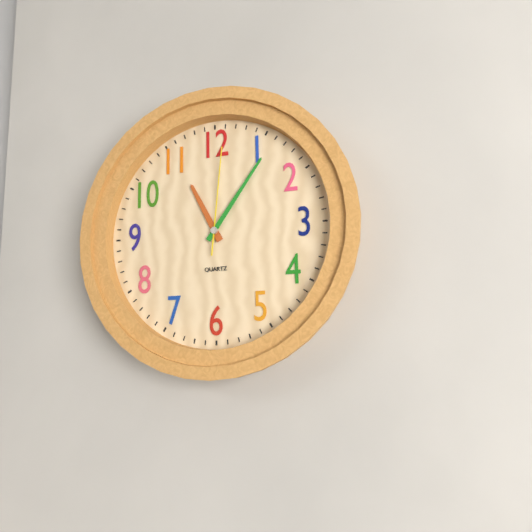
11h06m01s
